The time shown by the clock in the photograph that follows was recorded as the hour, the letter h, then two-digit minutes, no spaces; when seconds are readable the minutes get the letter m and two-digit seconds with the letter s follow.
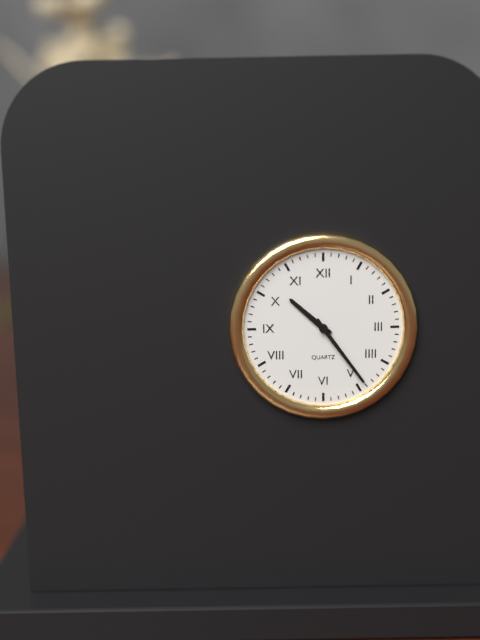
10h24
